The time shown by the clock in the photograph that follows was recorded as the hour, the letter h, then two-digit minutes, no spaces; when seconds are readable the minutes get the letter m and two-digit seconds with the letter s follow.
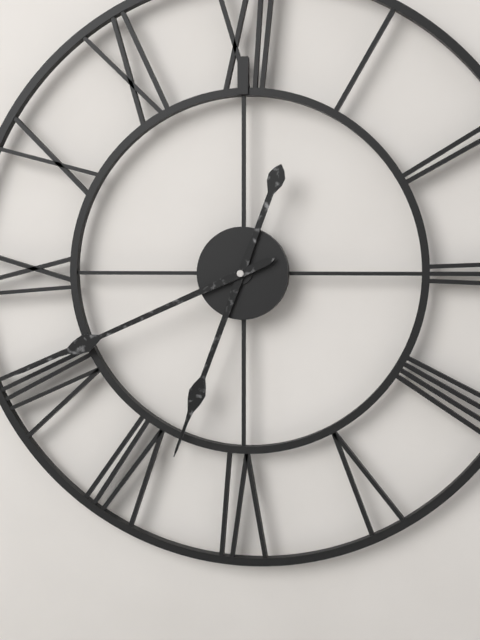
6h41
